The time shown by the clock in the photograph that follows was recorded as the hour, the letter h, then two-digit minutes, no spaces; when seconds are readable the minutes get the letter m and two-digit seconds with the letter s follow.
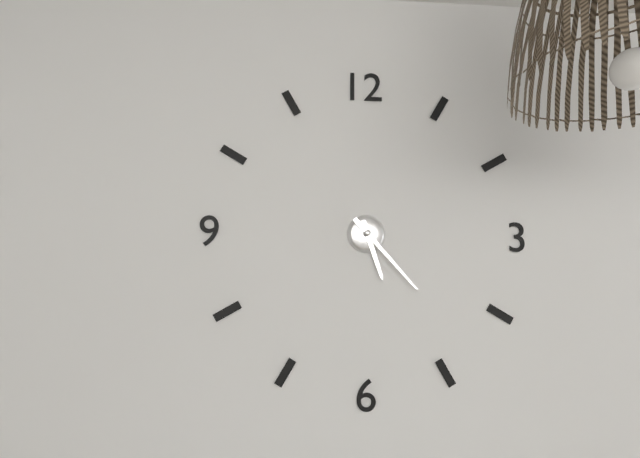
5h23
